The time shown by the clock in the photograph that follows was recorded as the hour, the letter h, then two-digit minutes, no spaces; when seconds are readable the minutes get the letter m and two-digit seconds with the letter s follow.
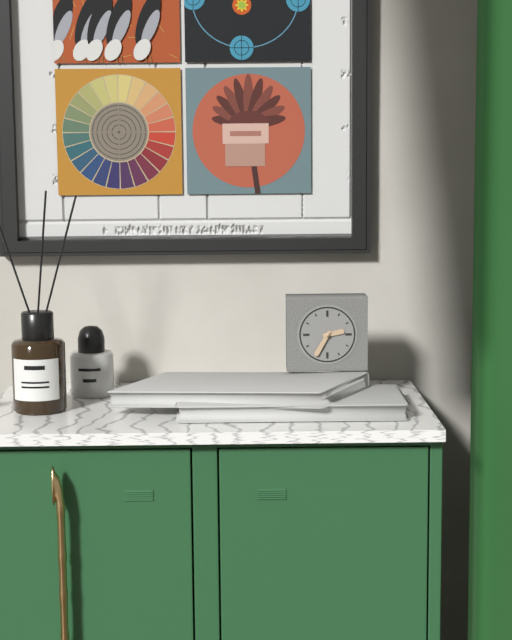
2h35
